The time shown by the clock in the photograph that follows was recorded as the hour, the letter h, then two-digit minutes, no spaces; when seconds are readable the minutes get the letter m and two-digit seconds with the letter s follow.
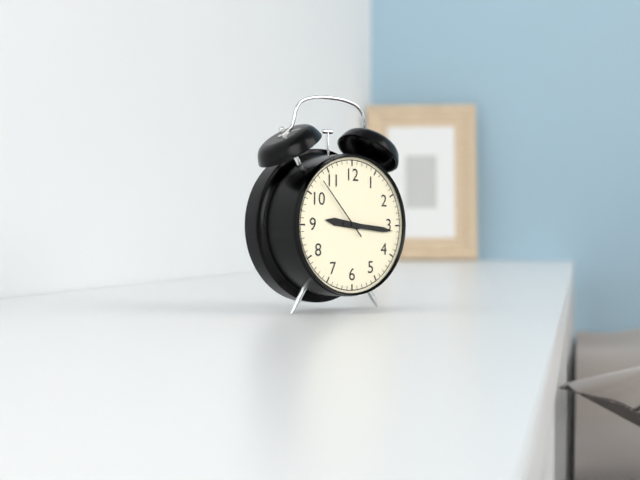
9h16m53s
